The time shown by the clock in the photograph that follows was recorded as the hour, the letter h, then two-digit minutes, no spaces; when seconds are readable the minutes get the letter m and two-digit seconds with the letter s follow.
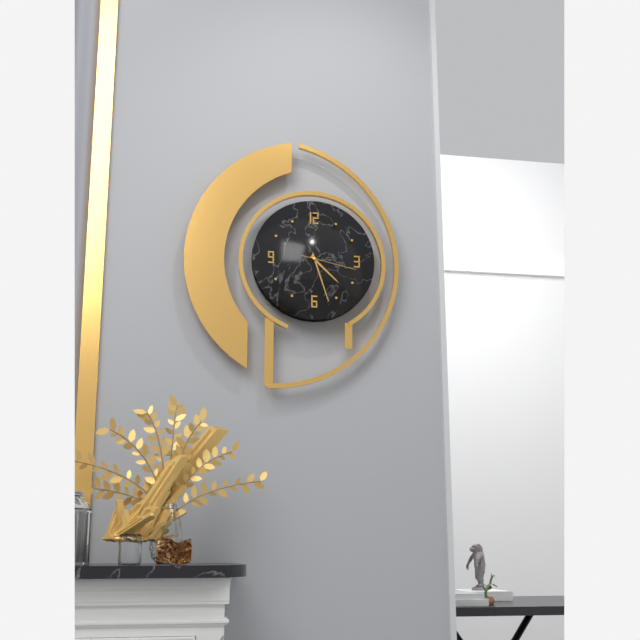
4h27m17s
